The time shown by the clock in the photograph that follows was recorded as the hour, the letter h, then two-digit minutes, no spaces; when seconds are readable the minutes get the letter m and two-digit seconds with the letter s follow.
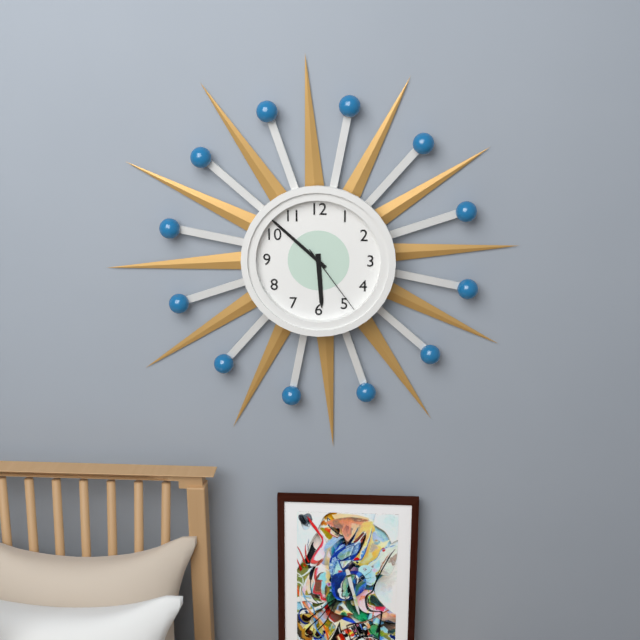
5h52m24s
